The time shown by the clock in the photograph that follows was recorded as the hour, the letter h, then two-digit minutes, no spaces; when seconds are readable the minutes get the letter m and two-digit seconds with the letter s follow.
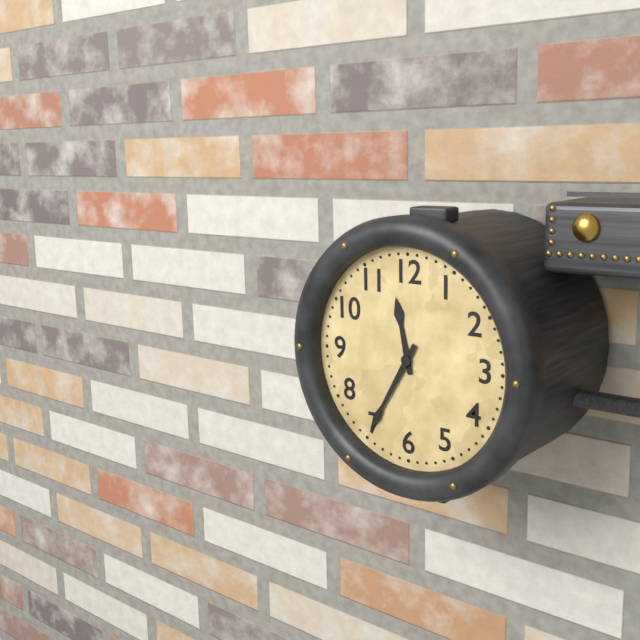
11h35
